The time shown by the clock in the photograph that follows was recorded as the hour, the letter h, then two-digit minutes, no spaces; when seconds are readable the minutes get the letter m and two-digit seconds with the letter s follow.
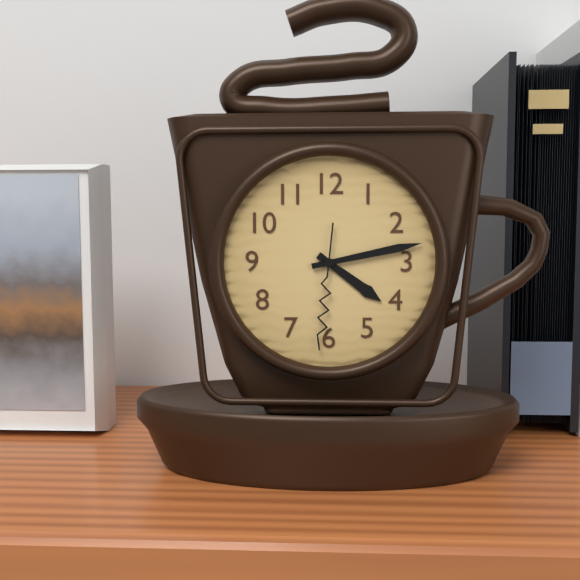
4h13m31s
